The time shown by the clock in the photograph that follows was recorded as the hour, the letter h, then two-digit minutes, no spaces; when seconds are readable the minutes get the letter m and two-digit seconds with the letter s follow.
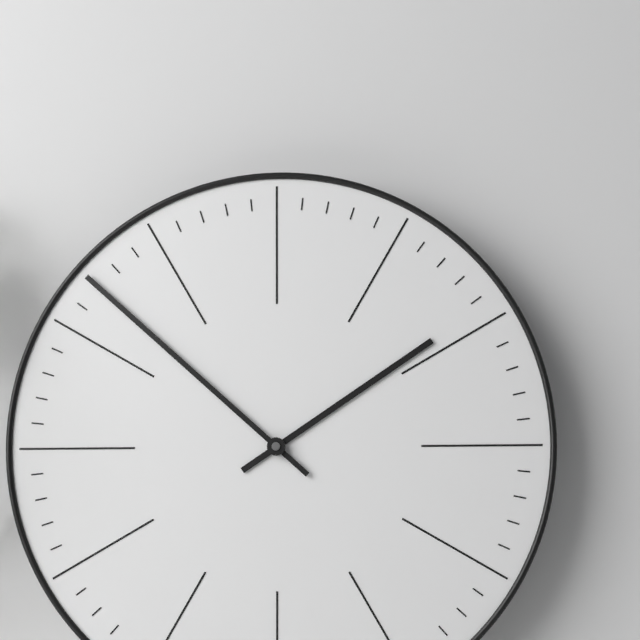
1h52
